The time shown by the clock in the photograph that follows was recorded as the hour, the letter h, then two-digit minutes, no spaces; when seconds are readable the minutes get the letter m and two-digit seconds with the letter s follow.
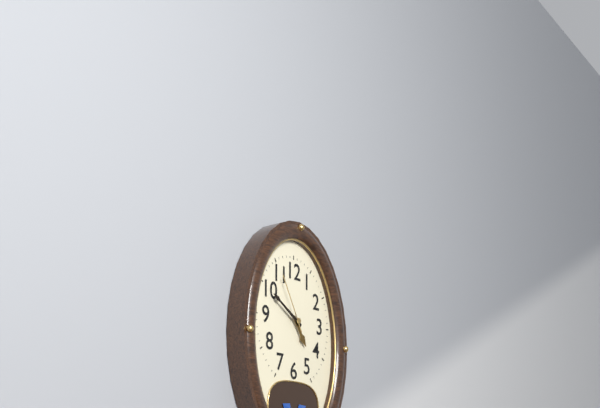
4h50m55s
